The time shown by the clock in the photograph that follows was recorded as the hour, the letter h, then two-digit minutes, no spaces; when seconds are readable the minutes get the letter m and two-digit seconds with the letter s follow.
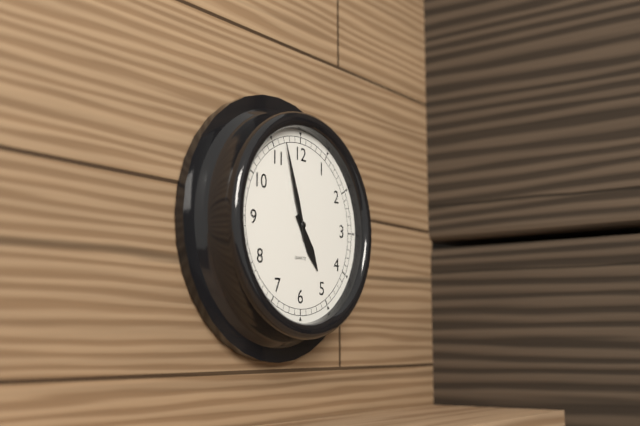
4h57
